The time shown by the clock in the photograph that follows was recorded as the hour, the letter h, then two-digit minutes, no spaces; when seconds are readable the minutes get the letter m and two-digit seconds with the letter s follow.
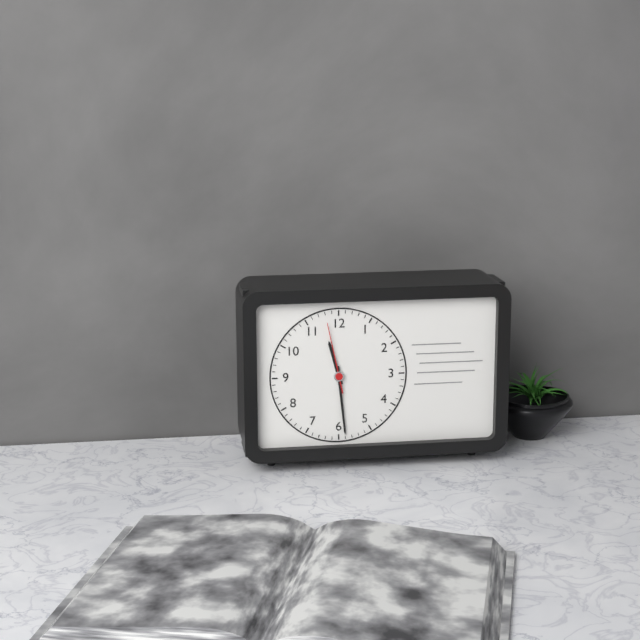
11h29m58s
